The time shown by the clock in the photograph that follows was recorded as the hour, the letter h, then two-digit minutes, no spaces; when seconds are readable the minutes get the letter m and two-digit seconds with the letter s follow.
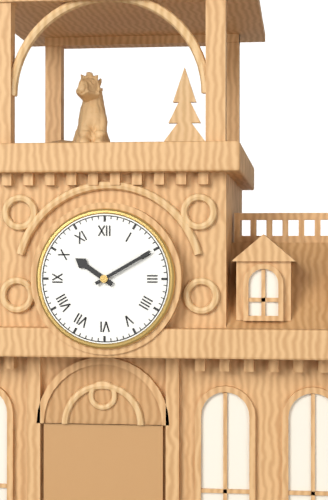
10h10
